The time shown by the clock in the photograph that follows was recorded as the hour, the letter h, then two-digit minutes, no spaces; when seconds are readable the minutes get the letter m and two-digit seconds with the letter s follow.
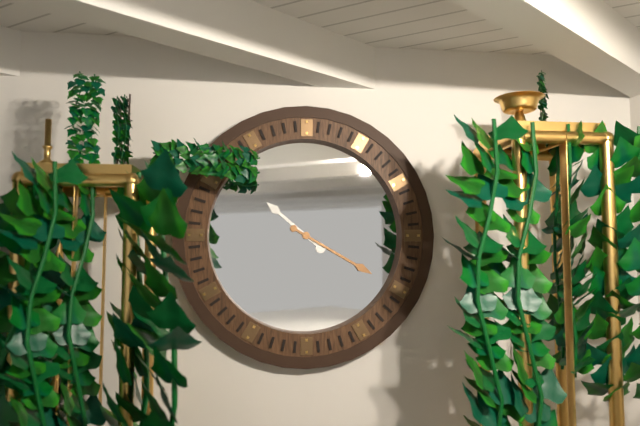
10h20
